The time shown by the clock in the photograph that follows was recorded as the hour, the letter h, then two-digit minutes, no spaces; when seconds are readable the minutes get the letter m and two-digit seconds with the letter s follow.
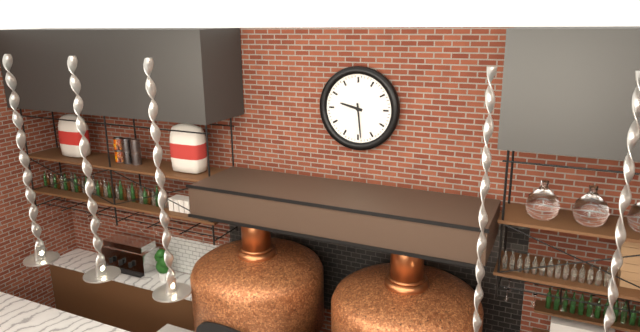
9h29
